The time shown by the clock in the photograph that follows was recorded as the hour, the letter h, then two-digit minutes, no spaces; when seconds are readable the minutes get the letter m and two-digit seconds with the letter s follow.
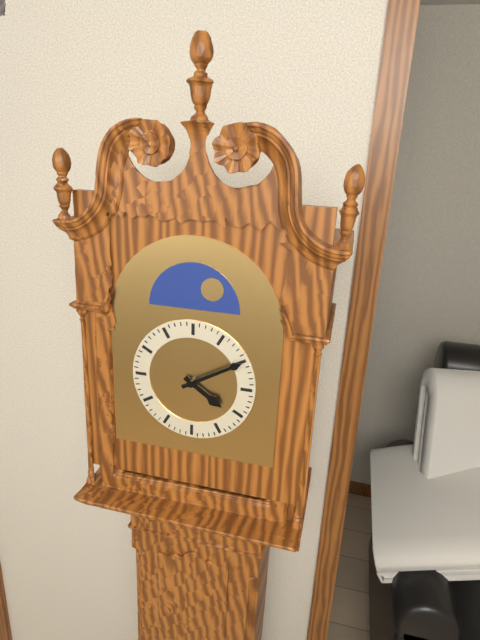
4h10
